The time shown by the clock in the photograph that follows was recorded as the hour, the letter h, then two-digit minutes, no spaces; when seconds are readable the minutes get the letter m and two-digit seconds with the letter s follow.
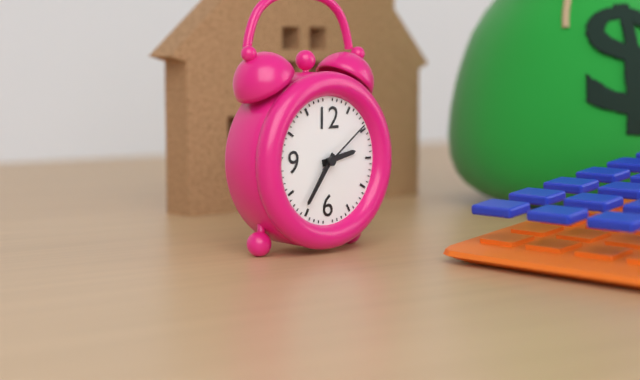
2h36m09s
